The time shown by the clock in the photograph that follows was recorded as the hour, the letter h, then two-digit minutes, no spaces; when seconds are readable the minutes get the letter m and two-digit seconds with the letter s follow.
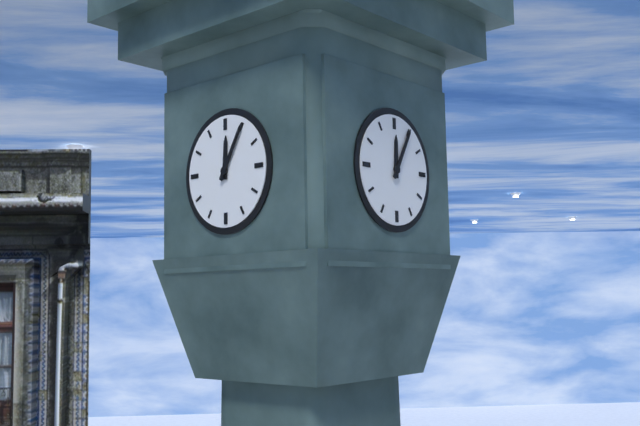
12h05
